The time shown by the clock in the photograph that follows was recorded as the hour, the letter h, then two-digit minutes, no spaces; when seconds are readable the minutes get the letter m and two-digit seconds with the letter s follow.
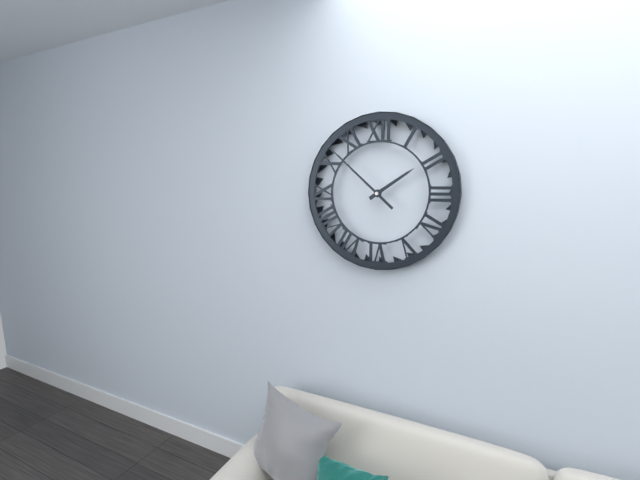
1h52
